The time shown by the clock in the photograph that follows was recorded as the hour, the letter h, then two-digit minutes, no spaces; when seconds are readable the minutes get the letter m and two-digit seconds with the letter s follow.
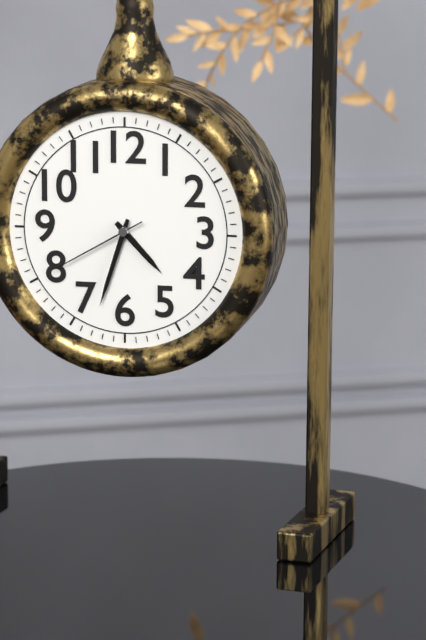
4h33m40s
